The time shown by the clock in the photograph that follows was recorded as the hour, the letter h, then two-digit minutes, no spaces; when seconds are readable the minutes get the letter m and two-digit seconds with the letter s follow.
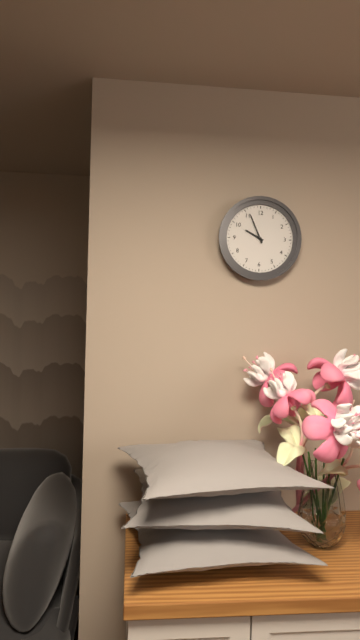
9h56
